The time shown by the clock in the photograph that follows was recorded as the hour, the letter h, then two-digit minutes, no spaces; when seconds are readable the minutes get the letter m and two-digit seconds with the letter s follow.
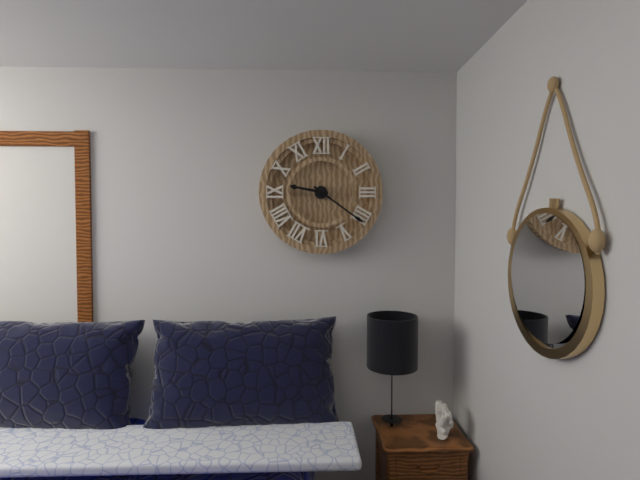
9h21
